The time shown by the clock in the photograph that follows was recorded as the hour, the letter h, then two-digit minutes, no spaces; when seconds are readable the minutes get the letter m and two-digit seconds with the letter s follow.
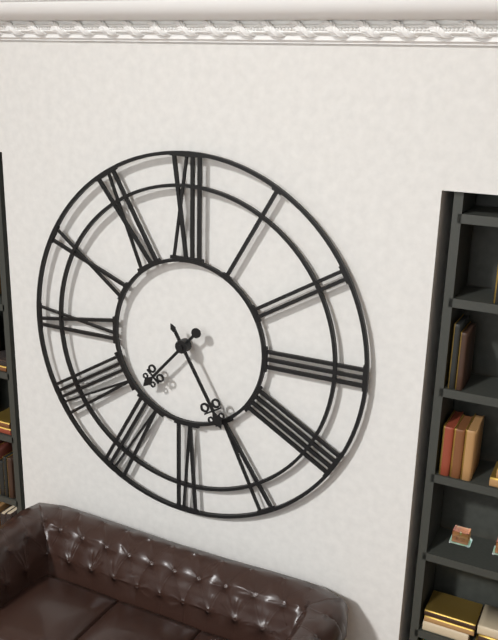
7h25
